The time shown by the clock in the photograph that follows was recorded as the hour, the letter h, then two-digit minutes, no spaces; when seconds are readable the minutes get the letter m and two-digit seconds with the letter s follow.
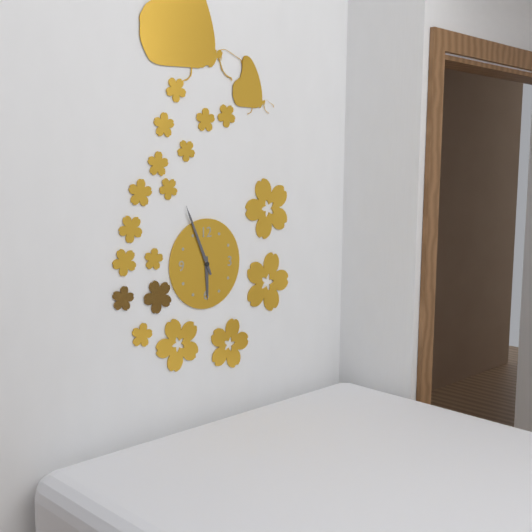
5h56
